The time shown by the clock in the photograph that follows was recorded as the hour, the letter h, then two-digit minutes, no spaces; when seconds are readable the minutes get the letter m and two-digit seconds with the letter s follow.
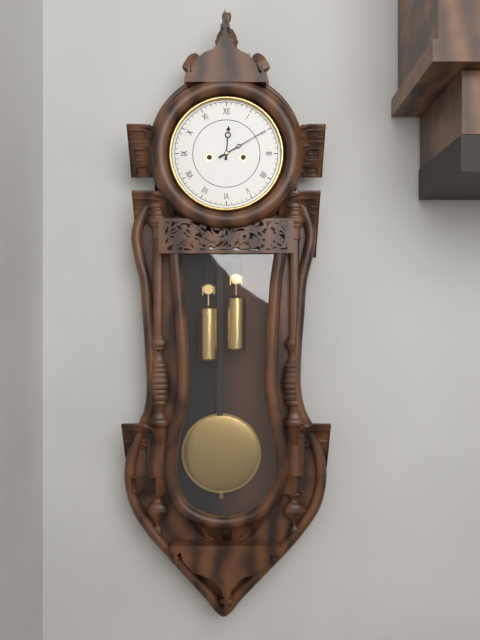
12h10
